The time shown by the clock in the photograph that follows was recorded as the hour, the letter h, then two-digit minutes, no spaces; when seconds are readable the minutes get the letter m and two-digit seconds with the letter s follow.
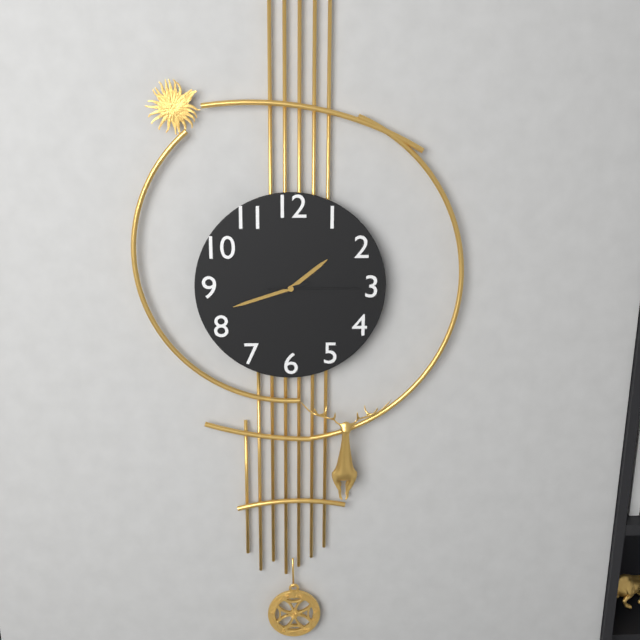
1h42m15s
